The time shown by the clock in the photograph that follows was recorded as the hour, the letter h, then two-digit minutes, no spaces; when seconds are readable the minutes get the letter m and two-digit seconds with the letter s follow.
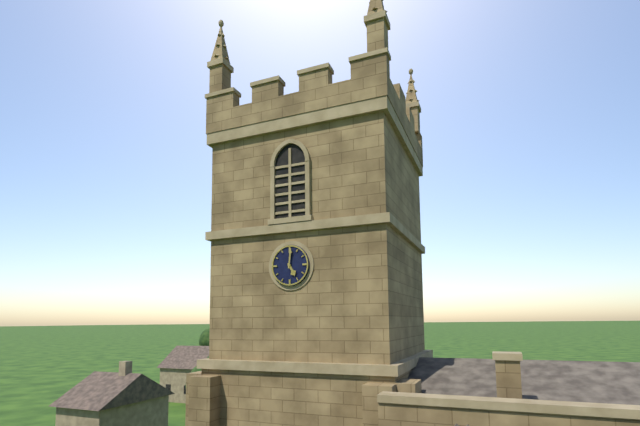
5h01
